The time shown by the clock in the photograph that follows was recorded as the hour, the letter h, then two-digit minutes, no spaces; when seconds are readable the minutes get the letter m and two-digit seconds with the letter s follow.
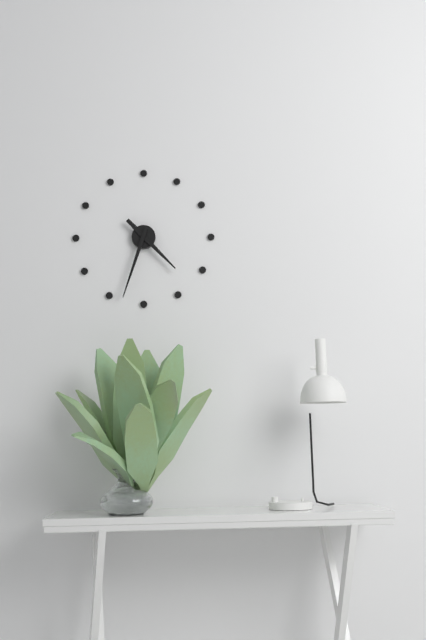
4h33
